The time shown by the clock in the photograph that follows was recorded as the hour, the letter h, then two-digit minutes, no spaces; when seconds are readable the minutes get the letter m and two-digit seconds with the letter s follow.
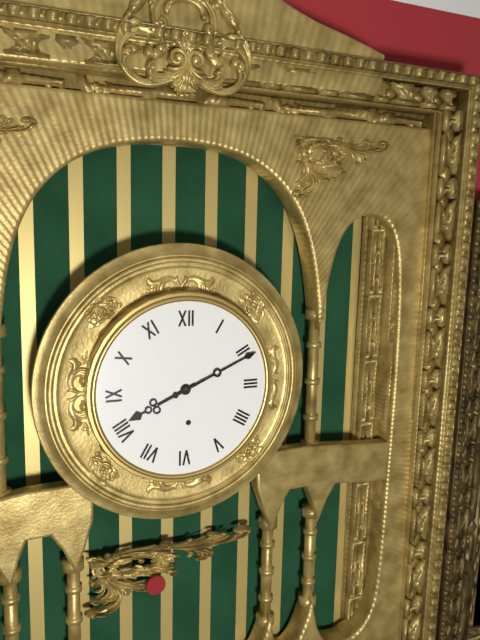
8h11
